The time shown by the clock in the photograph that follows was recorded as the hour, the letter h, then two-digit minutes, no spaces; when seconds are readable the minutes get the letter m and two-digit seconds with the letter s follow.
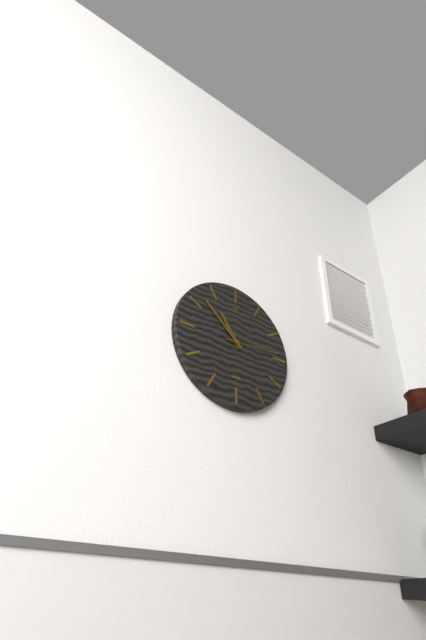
10h52m14s
